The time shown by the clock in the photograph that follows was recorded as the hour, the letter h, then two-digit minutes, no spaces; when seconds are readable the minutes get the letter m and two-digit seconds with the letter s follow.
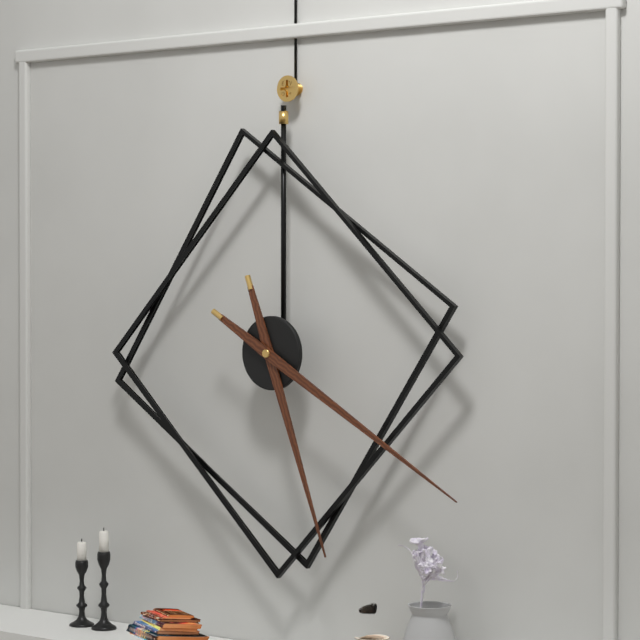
5h20
